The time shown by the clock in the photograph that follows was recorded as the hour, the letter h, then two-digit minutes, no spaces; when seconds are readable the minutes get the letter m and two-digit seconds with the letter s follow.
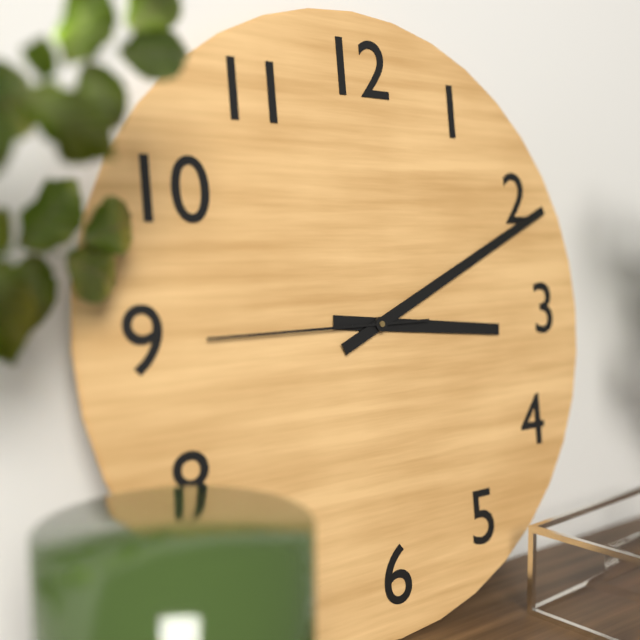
3h11m45s
